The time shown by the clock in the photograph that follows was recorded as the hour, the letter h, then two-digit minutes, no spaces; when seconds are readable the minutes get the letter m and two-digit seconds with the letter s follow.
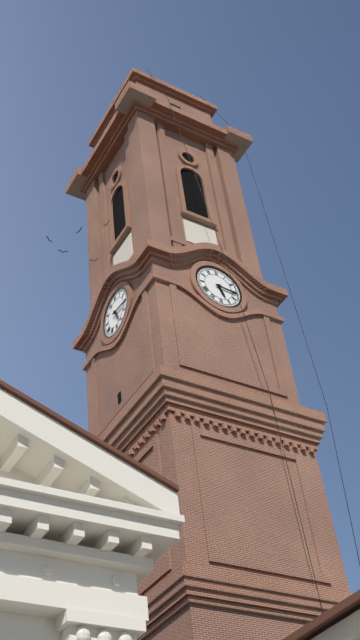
5h16
